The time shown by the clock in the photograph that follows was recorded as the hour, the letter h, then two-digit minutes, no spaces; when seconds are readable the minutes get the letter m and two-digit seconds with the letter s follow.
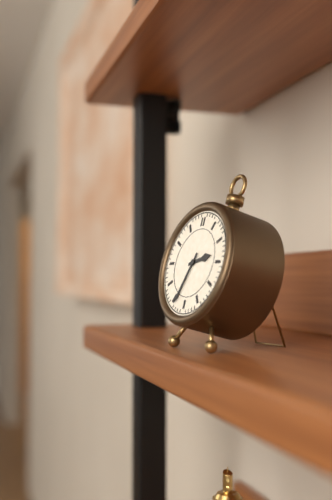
2h34
